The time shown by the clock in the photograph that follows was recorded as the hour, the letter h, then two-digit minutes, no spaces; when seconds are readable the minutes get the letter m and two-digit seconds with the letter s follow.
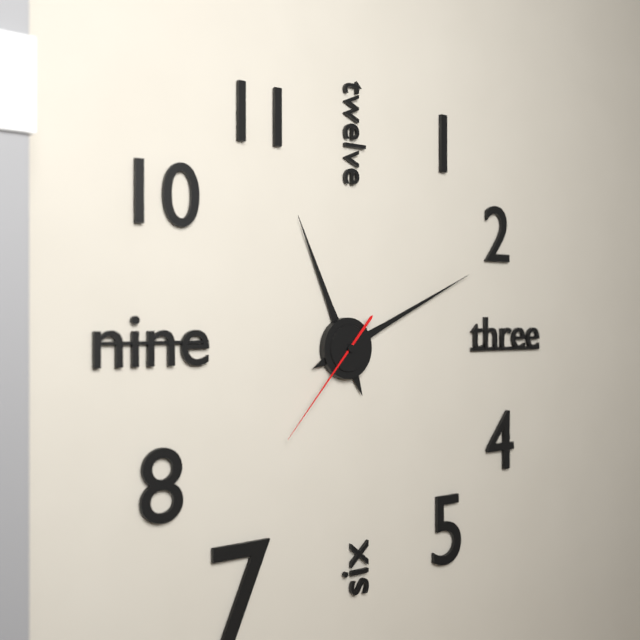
11h11m37s
